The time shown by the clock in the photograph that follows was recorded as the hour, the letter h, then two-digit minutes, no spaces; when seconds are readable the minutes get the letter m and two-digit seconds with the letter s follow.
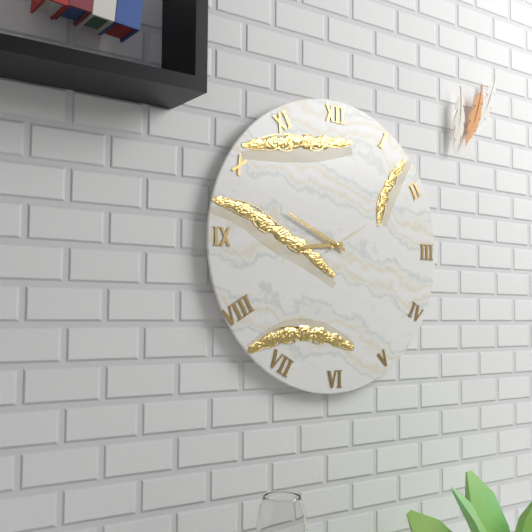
8h49m10s
